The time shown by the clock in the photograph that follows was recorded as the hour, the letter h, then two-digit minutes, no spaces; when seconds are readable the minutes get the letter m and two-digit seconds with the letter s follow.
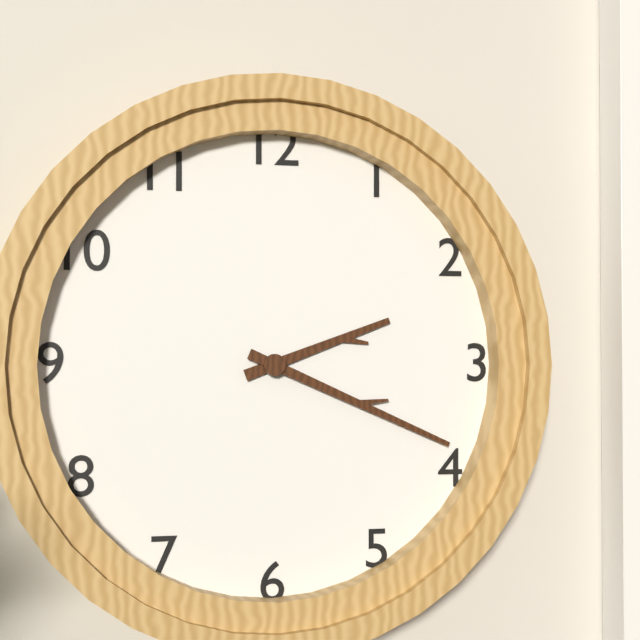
2h19
